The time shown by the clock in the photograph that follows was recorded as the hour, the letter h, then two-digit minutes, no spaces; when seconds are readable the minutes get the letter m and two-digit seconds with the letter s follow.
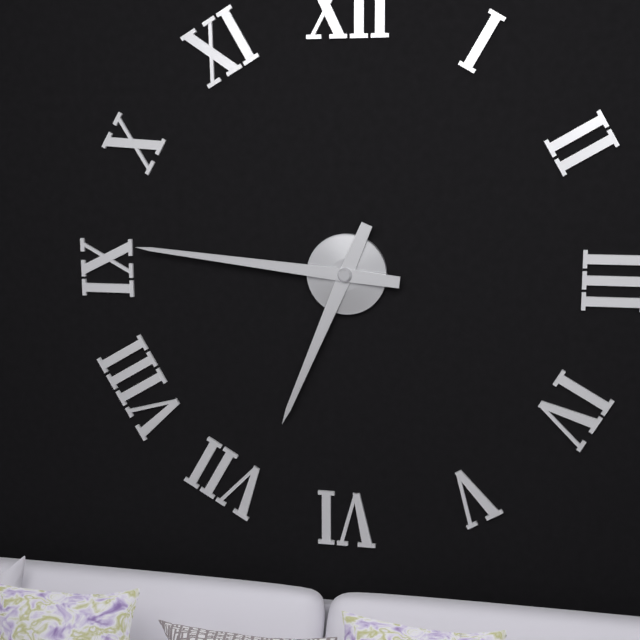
6h46
